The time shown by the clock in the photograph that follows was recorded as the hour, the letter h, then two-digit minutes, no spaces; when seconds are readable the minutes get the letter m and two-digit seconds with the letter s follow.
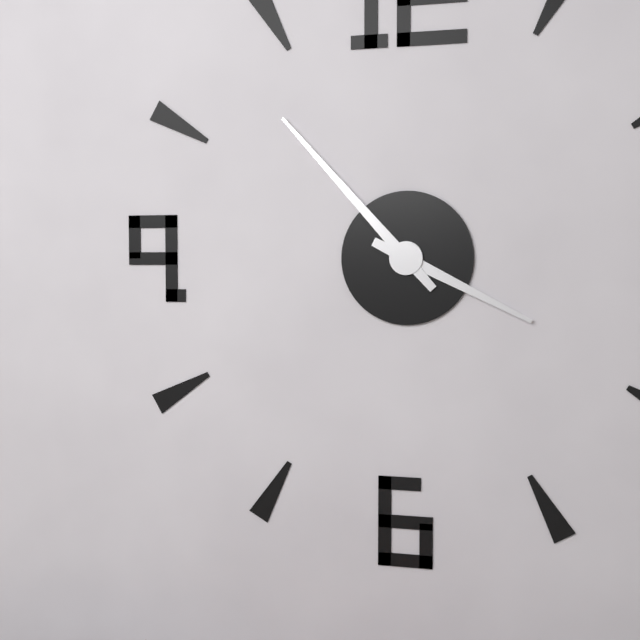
3h53
